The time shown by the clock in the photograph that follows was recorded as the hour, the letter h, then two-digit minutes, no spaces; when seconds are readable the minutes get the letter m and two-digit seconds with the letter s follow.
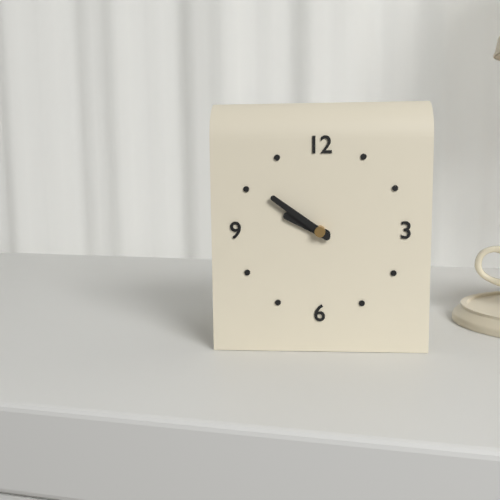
9h51
